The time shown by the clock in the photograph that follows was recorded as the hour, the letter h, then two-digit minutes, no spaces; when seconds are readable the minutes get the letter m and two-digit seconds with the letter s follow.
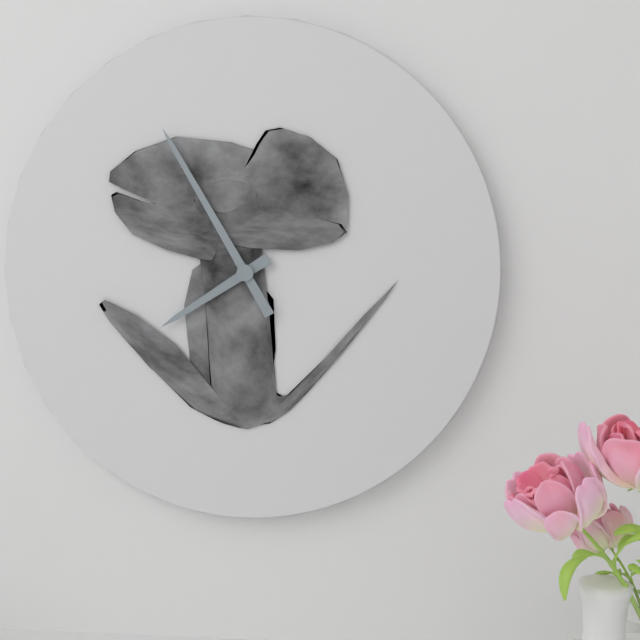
7h55
